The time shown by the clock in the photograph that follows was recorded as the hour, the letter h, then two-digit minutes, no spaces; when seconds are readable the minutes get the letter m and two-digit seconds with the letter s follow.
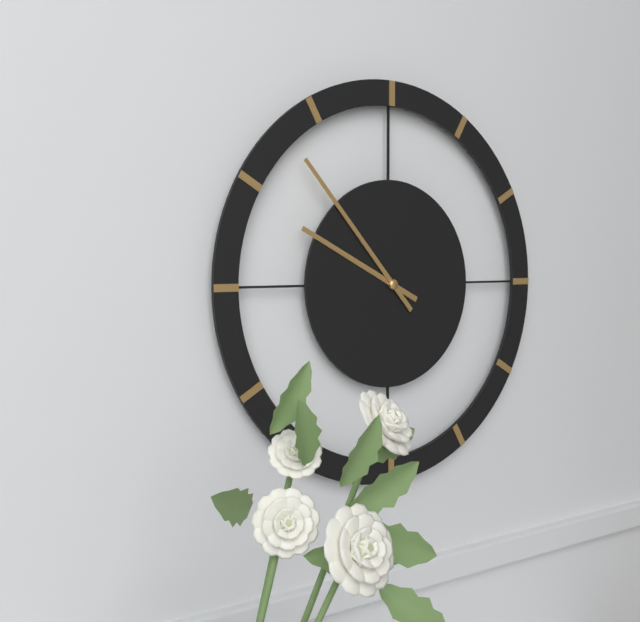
9h53
